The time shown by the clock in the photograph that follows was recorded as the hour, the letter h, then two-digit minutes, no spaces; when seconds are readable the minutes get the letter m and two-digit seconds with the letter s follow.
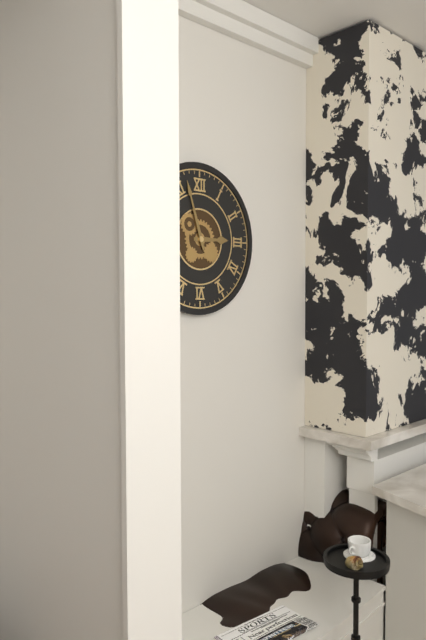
2h57
